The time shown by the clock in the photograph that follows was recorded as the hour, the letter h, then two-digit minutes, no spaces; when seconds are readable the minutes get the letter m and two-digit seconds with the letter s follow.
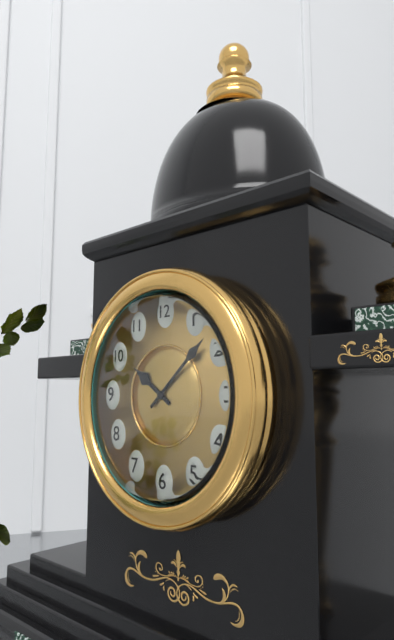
10h08
